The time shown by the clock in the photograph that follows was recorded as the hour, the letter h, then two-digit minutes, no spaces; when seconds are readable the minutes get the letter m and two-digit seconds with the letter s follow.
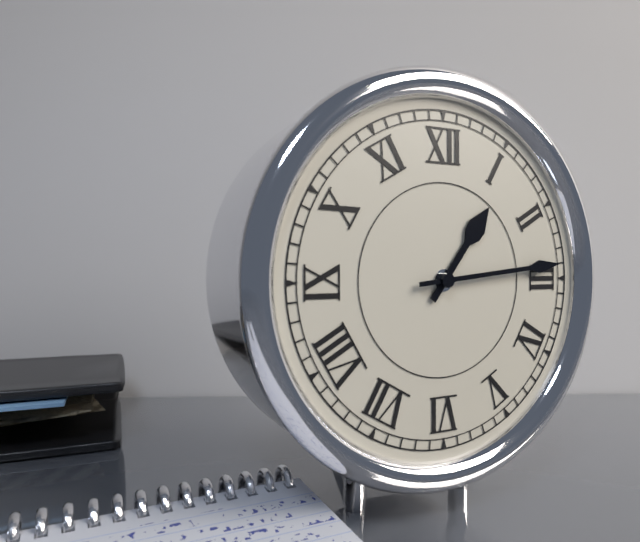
1h14
